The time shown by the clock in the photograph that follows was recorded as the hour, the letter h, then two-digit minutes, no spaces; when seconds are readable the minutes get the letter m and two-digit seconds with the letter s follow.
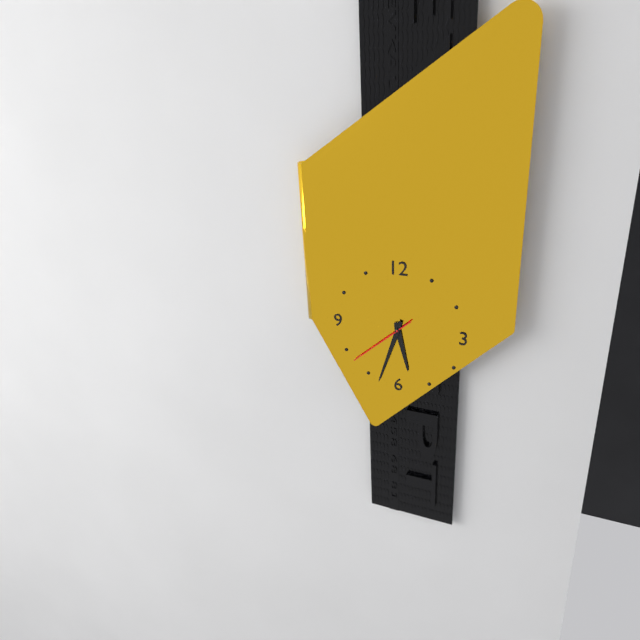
5h33m38s
